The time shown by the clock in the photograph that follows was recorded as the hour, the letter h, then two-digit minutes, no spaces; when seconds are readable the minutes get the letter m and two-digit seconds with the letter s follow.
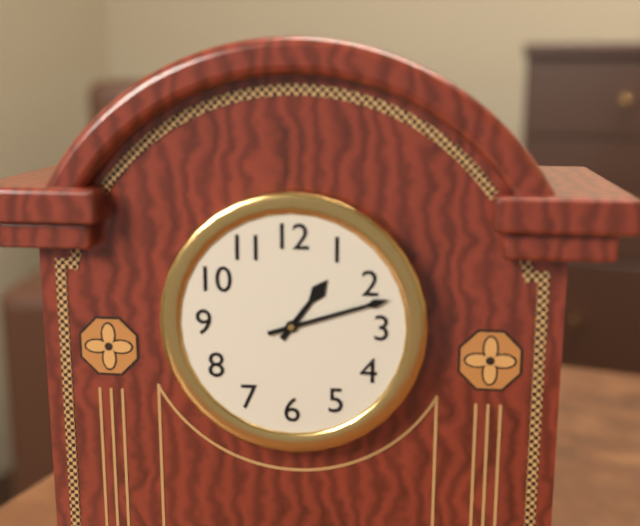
1h12
